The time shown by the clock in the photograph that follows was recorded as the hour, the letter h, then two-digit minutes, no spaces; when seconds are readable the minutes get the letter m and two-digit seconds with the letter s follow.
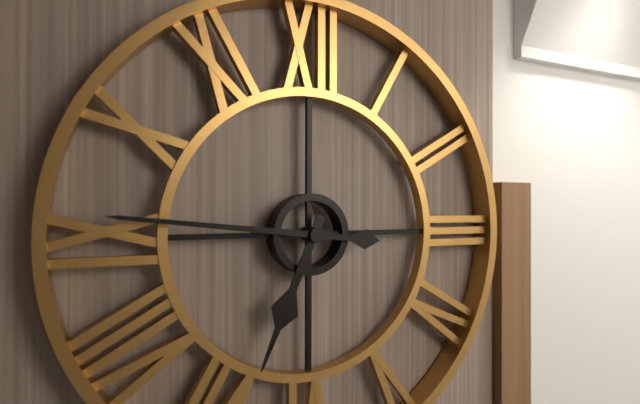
6h46
